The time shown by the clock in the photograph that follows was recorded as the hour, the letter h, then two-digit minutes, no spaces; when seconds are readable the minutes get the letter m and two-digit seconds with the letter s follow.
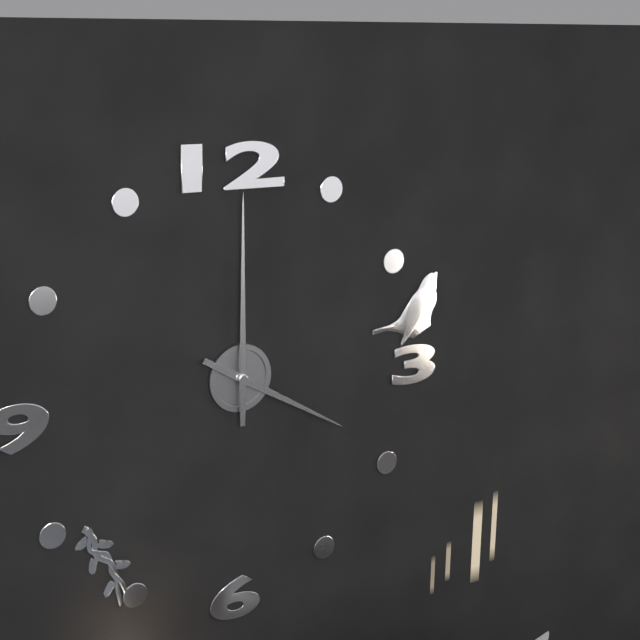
4h00
